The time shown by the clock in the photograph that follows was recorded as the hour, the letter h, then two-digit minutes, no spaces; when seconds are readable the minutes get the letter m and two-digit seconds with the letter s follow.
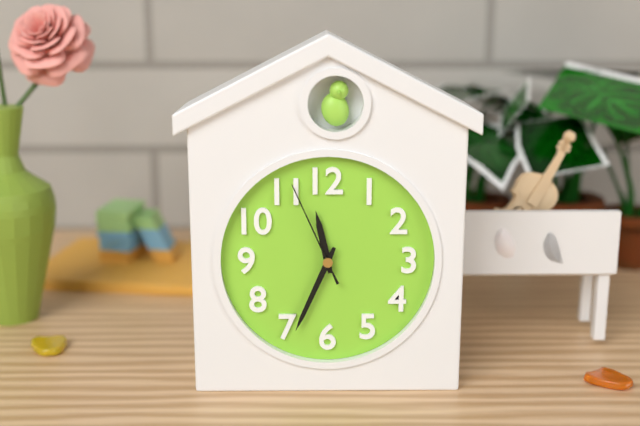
11h34m56s
